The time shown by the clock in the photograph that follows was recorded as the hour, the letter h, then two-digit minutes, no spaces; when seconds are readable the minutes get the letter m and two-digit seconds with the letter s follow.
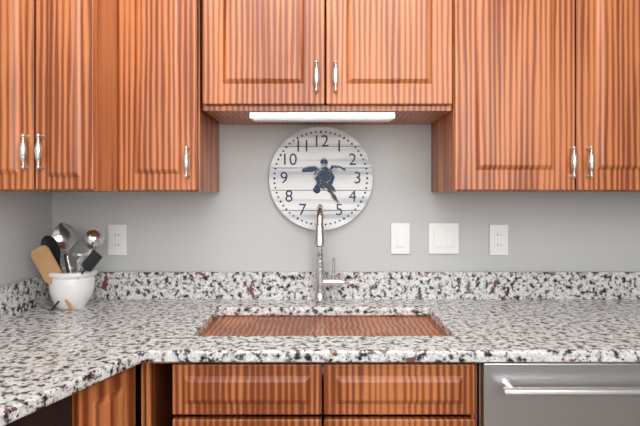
4h24
